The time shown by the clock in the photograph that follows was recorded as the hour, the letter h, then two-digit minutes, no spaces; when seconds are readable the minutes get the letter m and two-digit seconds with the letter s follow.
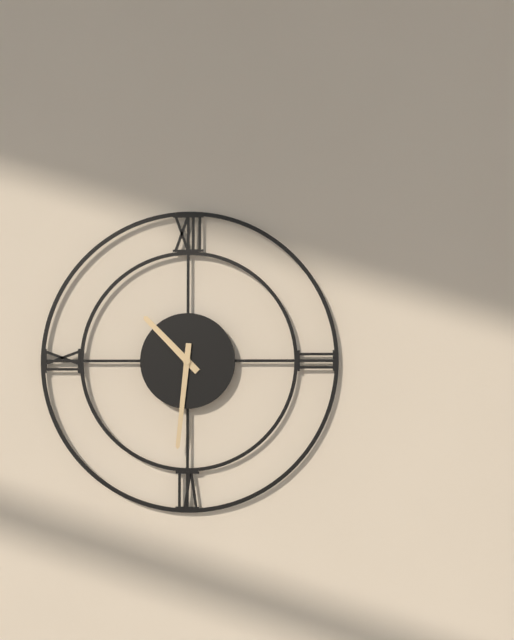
10h31
